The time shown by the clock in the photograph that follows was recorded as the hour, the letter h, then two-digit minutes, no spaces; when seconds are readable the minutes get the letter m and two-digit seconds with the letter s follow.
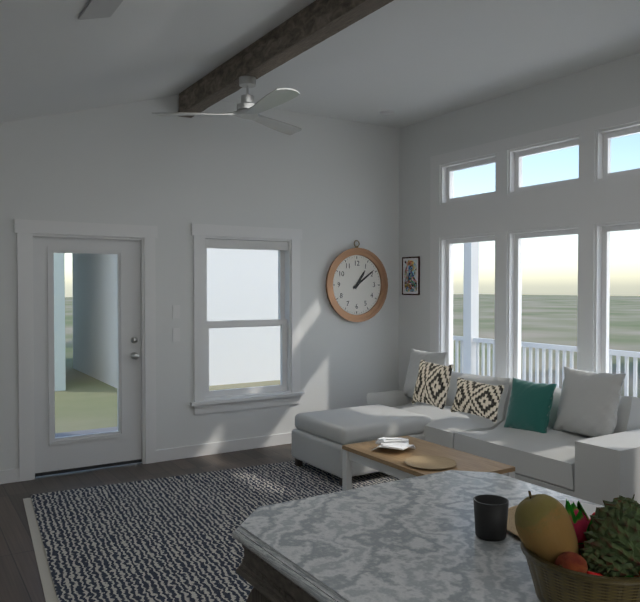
1h09
